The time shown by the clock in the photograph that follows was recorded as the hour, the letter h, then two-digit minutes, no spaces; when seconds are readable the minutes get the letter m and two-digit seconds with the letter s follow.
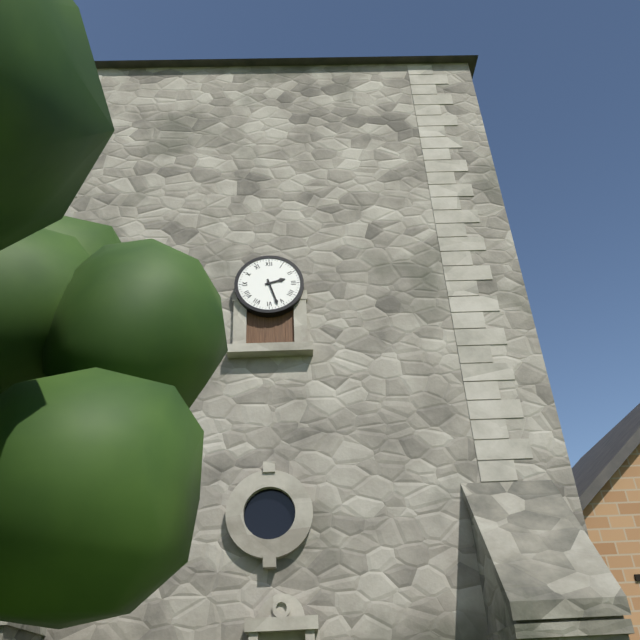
2h27
